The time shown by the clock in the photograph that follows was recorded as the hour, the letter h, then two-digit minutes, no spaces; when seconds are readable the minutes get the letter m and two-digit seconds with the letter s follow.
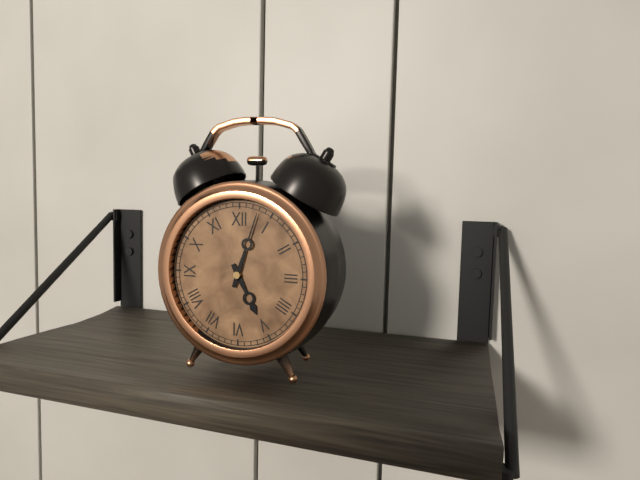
5h03
